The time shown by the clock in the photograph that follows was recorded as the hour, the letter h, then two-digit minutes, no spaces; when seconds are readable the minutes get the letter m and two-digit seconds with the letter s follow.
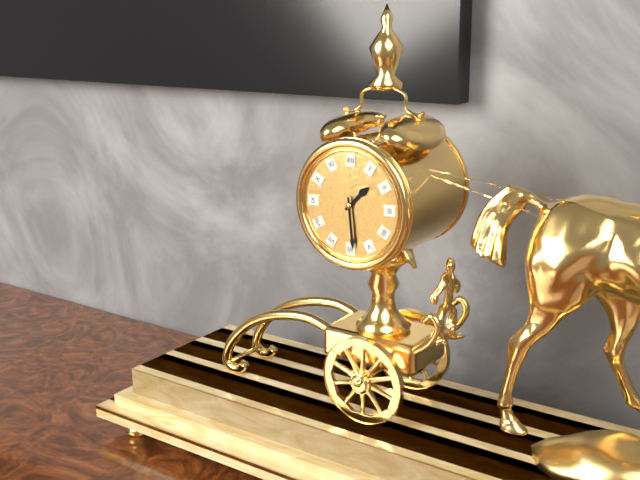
1h29
